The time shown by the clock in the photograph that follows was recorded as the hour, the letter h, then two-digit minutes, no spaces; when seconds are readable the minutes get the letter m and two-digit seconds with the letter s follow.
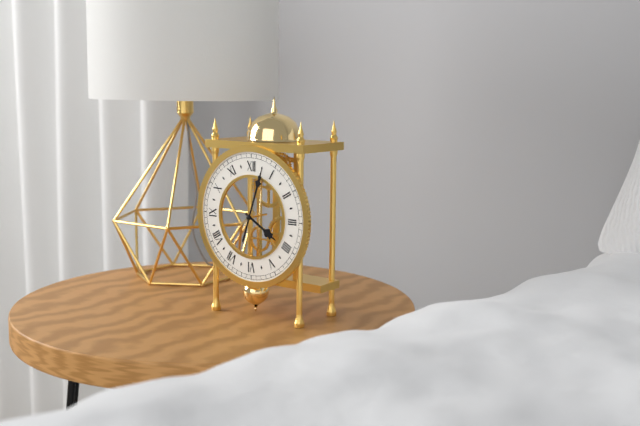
4h03
